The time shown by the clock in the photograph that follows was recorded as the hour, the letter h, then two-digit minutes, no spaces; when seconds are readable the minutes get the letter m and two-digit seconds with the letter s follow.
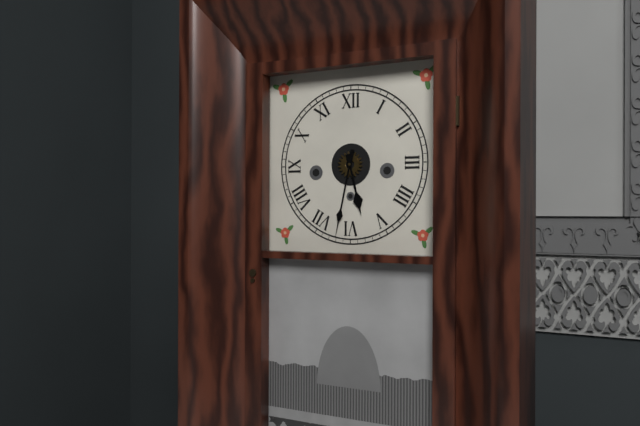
5h32
